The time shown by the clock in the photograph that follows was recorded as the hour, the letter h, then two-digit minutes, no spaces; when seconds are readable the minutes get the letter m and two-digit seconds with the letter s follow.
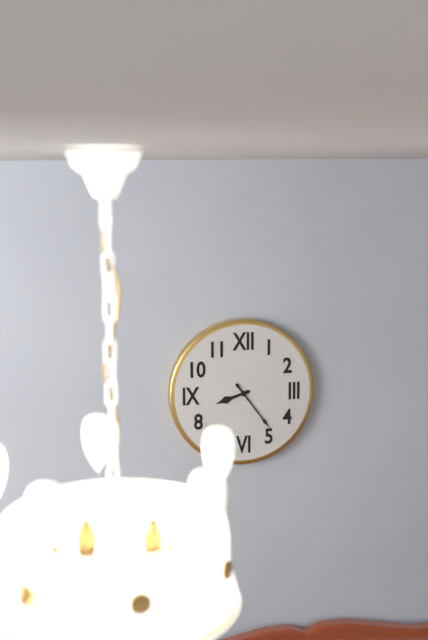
8h24
